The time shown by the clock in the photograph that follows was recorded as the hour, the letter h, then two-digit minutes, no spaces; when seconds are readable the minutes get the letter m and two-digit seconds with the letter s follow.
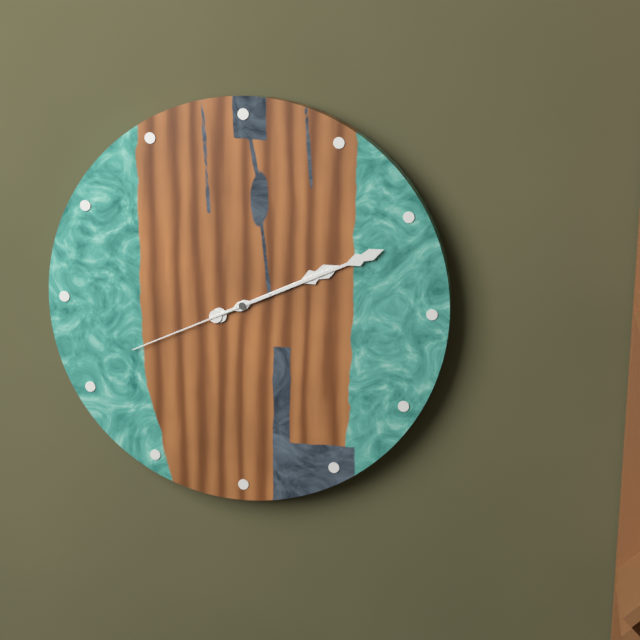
2h11m41s
